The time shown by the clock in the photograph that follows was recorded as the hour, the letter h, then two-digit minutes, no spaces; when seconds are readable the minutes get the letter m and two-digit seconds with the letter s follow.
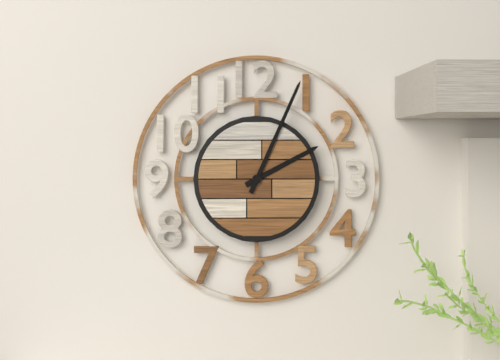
2h04
